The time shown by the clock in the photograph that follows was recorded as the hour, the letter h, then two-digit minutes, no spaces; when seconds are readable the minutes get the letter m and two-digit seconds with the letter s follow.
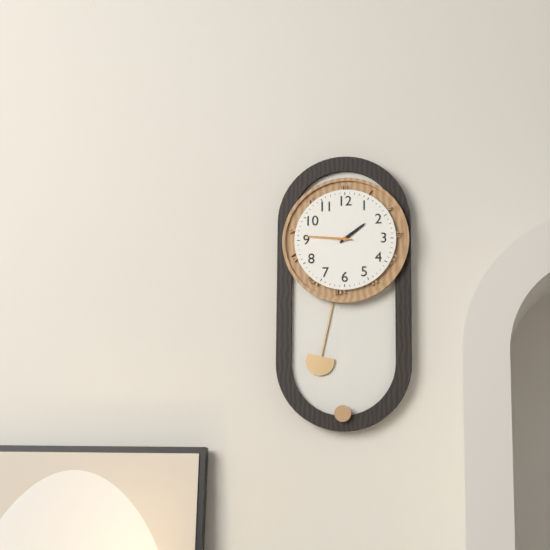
1h46
